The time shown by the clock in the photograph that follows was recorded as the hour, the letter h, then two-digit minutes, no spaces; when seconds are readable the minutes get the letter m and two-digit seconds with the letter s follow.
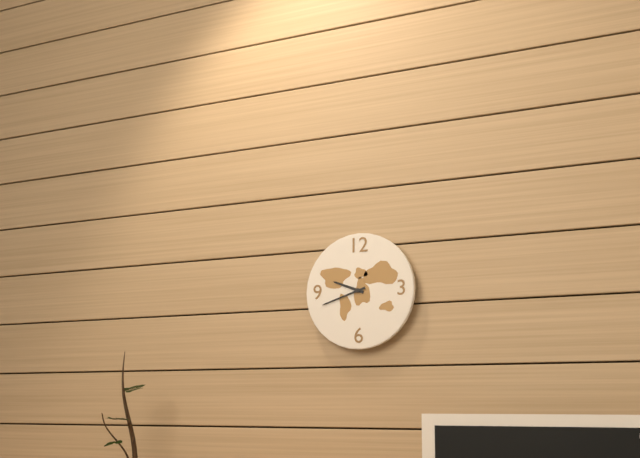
9h42
